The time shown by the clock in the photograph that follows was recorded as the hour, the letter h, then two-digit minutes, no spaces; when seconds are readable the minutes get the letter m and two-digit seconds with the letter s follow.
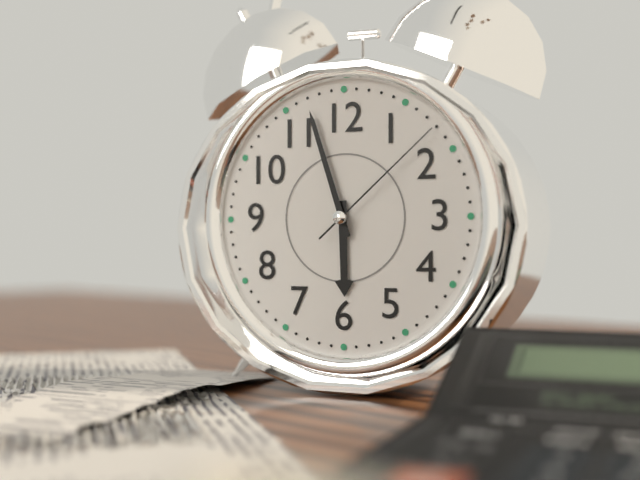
5h57m08s
